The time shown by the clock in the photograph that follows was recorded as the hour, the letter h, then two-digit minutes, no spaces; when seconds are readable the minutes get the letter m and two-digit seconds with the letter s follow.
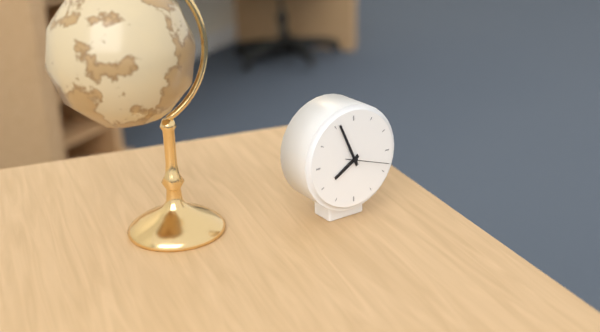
7h56
